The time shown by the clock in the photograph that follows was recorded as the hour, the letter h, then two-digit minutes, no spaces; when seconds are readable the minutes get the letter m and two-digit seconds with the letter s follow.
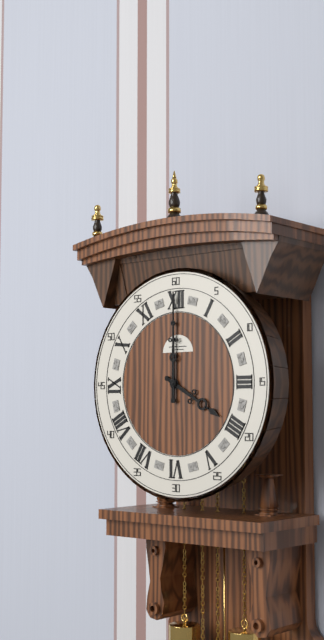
4h00
